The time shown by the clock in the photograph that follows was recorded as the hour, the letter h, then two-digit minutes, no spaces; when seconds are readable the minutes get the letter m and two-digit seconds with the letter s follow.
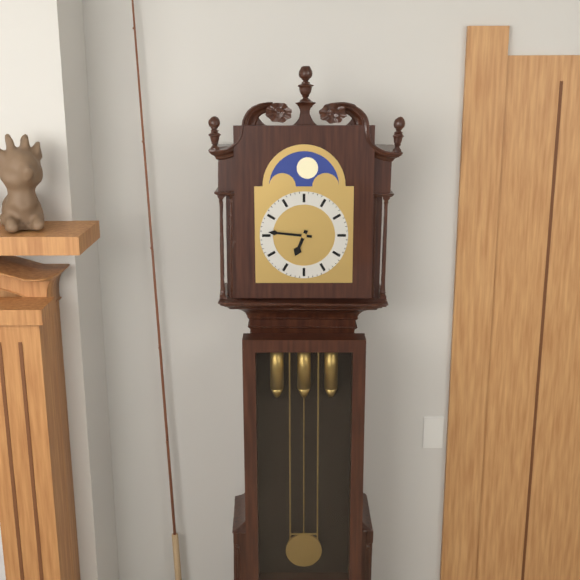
6h46
